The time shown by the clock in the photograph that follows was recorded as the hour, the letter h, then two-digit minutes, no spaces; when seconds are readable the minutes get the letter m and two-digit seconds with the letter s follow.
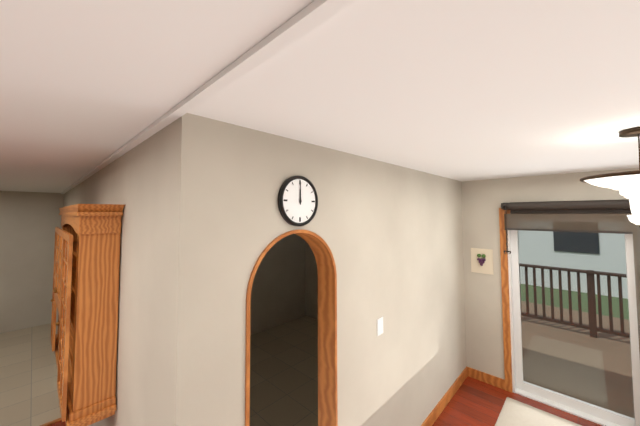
12h00
